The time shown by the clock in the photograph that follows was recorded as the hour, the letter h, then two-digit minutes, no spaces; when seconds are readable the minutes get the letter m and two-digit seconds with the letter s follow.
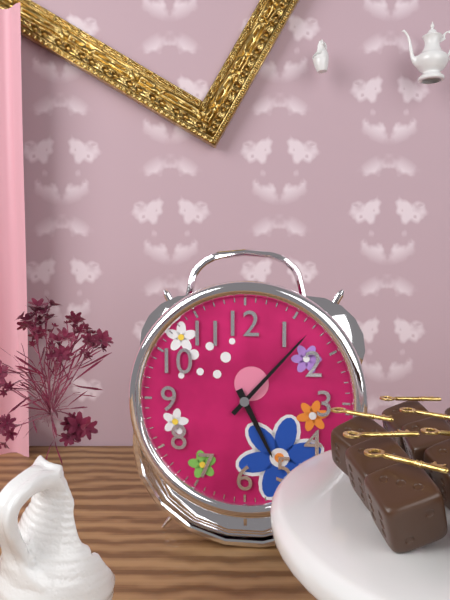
5h07
